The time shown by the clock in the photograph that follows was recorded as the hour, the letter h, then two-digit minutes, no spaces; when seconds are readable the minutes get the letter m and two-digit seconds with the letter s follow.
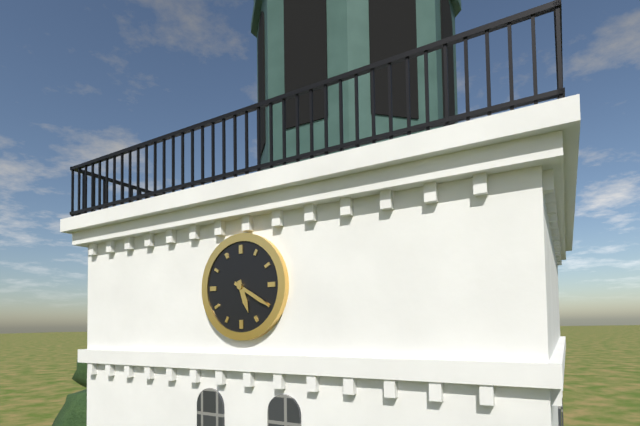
5h20
